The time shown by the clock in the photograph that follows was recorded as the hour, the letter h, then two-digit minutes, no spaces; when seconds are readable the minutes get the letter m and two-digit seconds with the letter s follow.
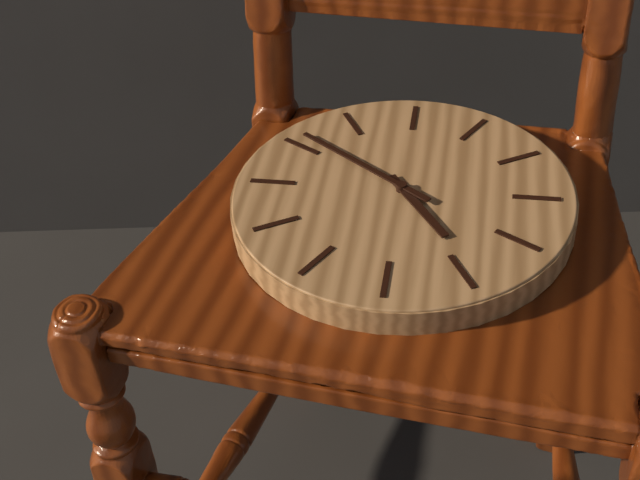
4h51
